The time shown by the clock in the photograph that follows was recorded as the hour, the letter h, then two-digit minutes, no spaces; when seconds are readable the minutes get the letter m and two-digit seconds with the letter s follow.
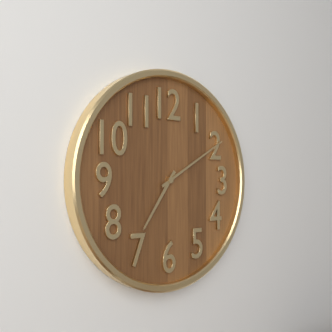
7h10
